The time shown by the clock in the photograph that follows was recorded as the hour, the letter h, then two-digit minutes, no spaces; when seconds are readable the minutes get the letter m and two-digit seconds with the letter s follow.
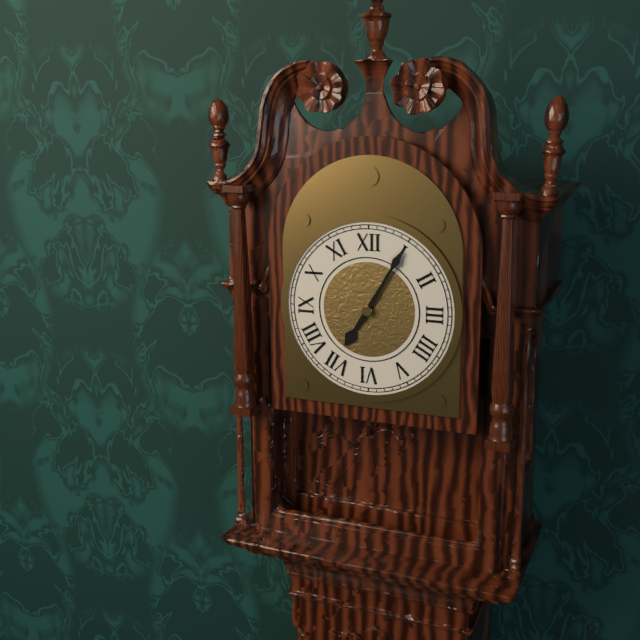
7h05
